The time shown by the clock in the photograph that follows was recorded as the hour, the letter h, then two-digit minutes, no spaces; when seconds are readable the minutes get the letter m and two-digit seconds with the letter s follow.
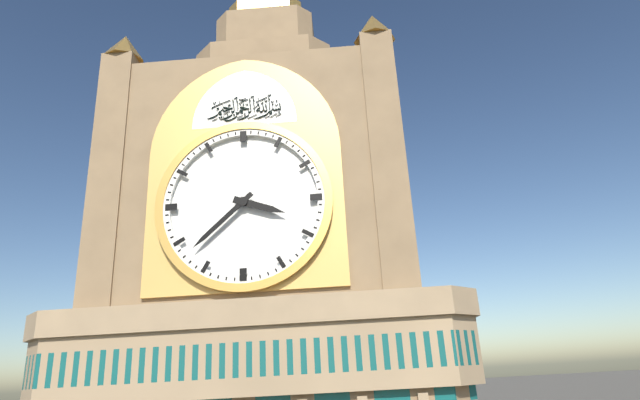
3h38
